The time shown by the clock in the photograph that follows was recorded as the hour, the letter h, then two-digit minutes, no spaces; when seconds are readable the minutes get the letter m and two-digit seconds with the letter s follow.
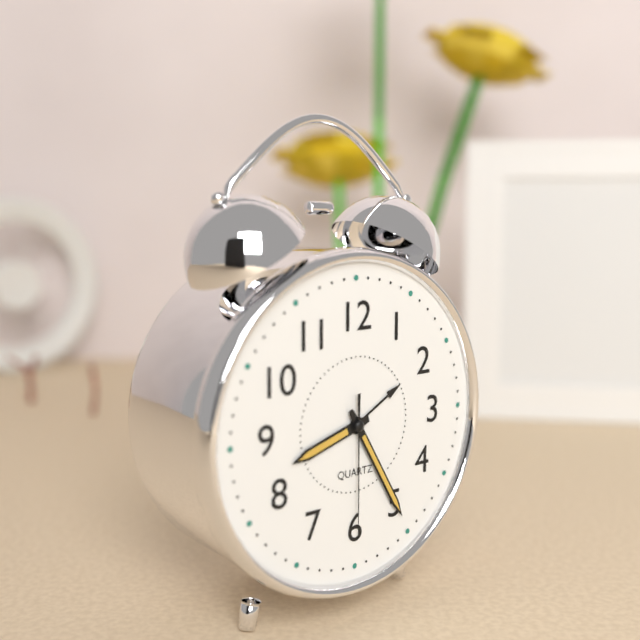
8h25m30s
